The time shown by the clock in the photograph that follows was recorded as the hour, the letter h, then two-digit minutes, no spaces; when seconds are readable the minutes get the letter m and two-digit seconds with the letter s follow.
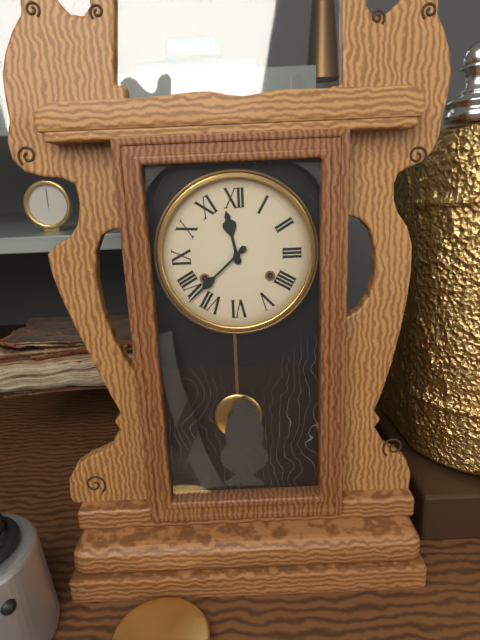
11h38
